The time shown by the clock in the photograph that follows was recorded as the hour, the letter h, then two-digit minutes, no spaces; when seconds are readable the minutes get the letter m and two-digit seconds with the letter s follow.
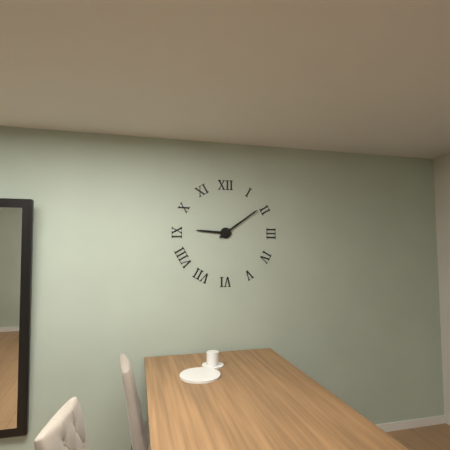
9h09
